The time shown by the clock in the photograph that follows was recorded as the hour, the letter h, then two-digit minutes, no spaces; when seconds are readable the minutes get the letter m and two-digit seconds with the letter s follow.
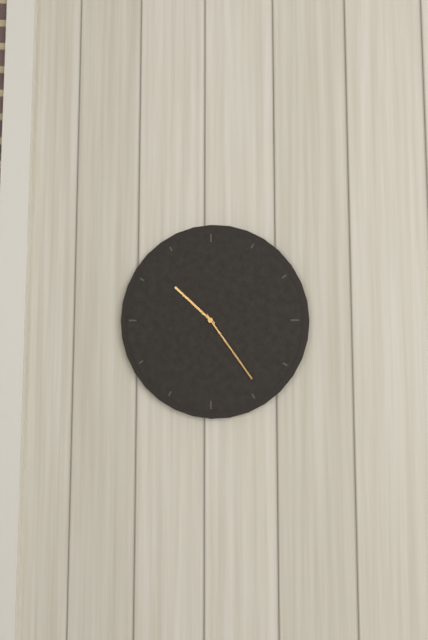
10h24
